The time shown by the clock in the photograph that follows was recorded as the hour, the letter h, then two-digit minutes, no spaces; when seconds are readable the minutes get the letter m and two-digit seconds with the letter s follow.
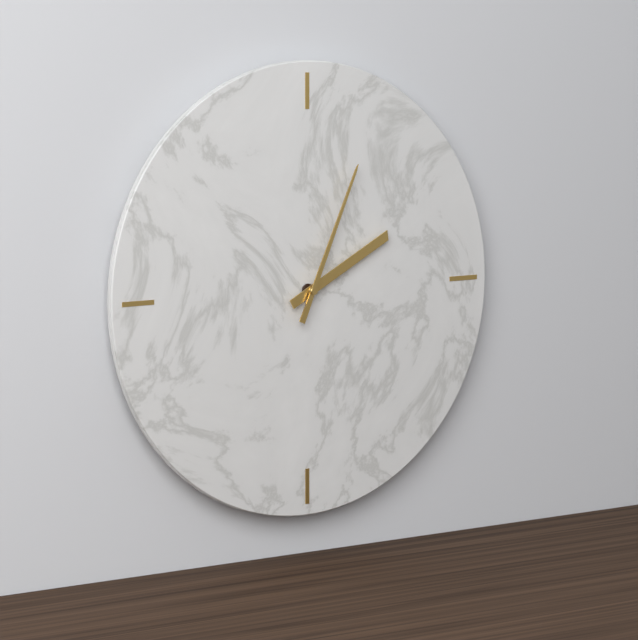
2h04
